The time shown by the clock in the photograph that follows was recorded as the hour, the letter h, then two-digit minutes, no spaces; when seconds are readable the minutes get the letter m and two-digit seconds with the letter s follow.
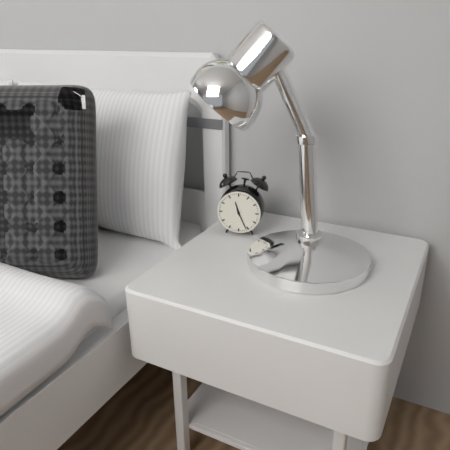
11h26
